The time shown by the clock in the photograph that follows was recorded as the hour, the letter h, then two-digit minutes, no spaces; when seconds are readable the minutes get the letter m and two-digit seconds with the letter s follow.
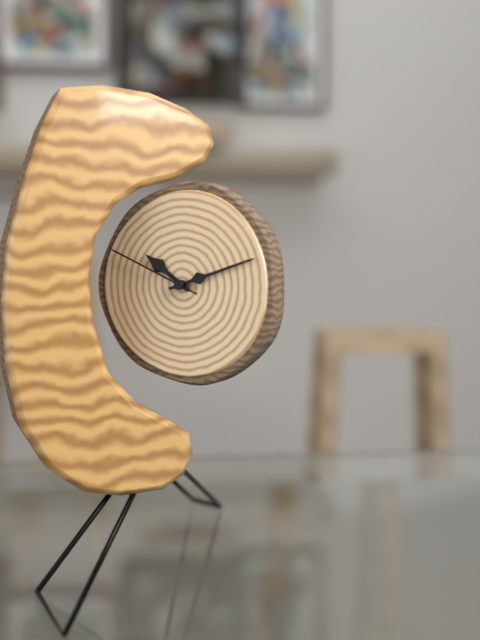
10h12m49s
